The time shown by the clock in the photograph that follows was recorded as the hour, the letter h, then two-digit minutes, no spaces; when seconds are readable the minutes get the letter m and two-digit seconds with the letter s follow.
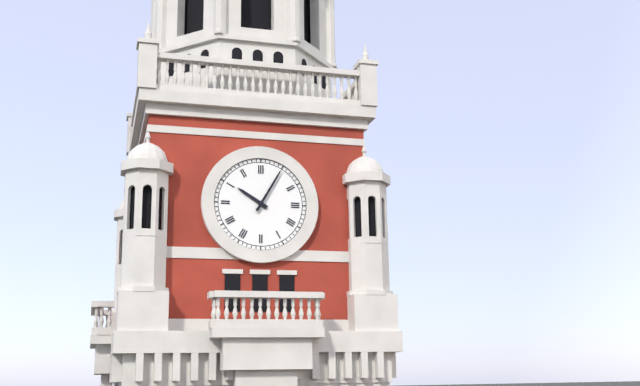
10h05
